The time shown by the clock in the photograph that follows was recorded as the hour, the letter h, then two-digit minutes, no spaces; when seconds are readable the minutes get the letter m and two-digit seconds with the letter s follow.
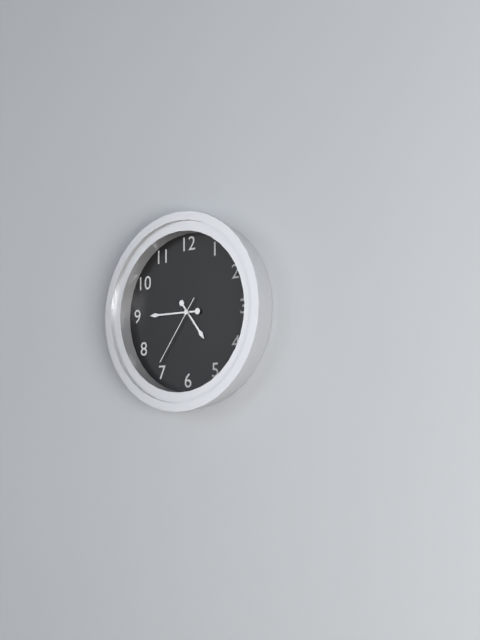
4h45m36s
